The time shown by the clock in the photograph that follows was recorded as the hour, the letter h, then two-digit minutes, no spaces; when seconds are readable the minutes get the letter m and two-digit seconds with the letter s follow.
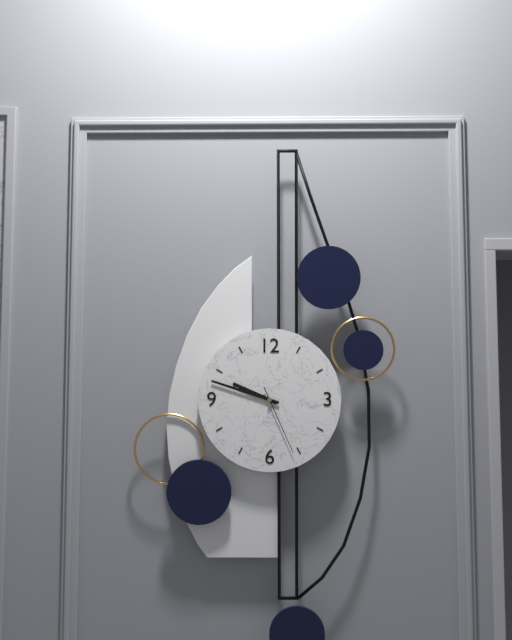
9h48m26s
